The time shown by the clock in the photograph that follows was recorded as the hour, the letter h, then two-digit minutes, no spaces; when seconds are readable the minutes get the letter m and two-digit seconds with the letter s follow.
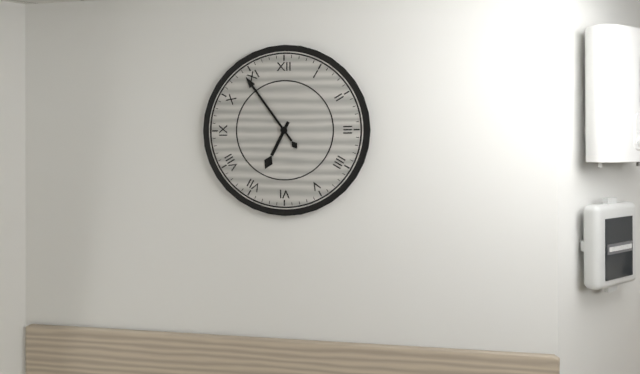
6h54
